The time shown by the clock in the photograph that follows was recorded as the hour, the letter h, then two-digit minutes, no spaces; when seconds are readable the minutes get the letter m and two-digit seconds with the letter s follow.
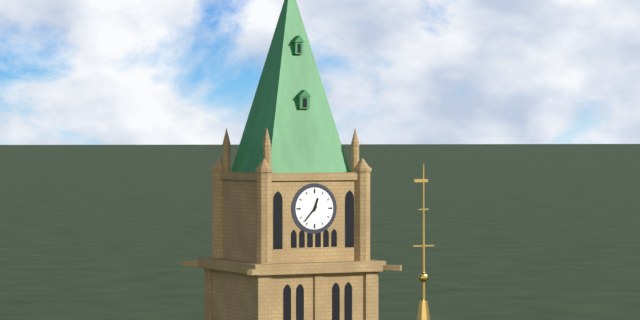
12h37
